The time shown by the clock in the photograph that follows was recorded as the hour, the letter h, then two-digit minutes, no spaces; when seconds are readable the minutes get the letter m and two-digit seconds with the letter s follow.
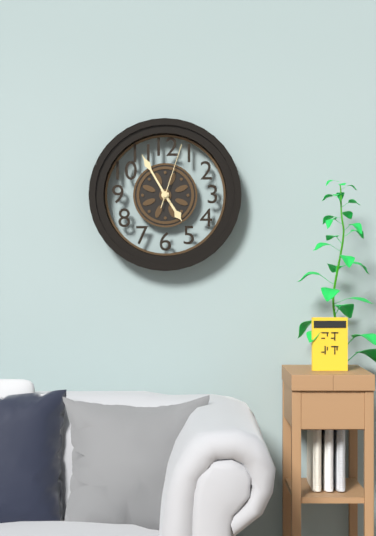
4h55m03s
